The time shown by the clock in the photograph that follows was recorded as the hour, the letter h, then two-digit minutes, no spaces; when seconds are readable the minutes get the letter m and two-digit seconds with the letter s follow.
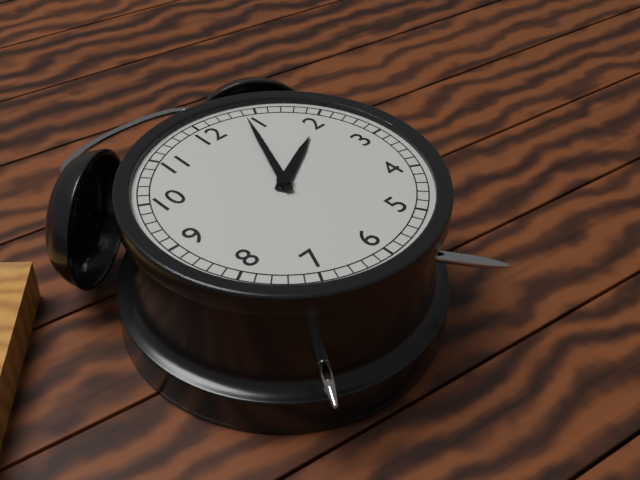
2h04
